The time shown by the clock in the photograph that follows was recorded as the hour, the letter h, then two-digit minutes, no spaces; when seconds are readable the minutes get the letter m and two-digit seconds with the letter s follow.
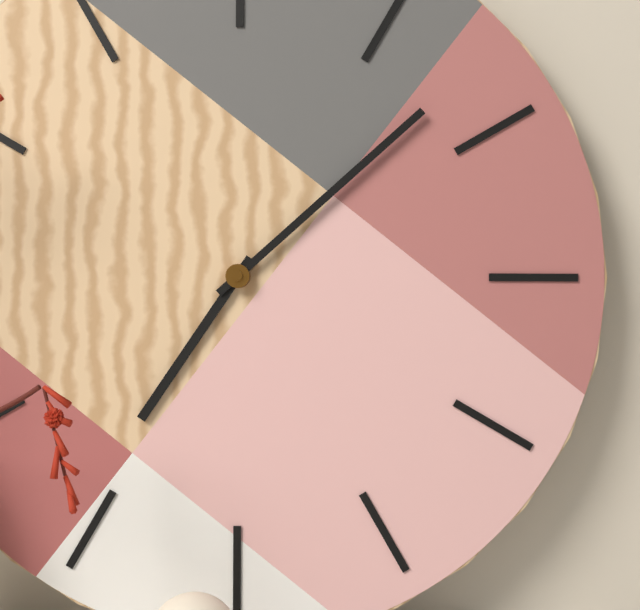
7h08
